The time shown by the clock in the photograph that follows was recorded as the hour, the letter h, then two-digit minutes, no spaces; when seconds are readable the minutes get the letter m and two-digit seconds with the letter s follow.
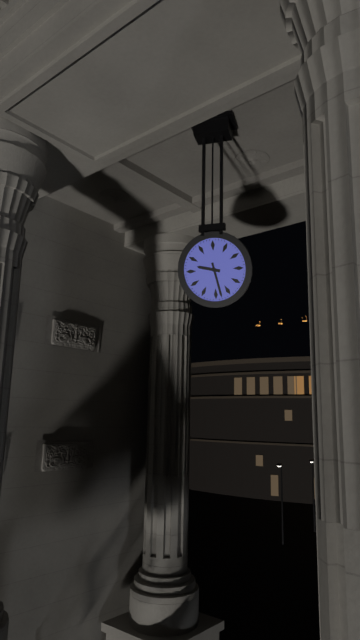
9h28
